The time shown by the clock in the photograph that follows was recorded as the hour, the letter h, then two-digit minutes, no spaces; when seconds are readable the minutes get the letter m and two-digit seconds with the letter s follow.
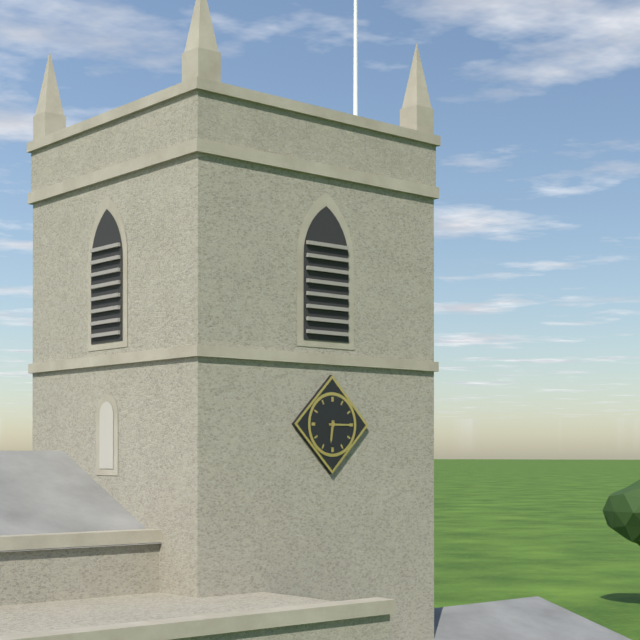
6h15
